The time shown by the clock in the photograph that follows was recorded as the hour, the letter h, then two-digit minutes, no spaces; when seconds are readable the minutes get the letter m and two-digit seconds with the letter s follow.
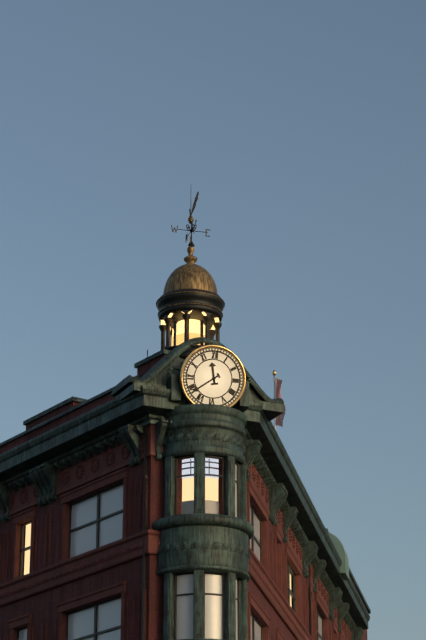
11h39
